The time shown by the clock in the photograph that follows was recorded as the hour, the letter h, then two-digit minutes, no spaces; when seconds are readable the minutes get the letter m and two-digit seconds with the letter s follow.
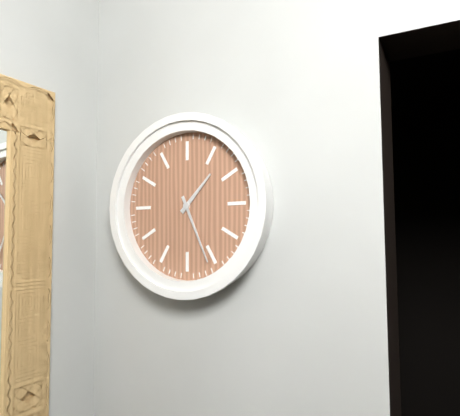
1h26
